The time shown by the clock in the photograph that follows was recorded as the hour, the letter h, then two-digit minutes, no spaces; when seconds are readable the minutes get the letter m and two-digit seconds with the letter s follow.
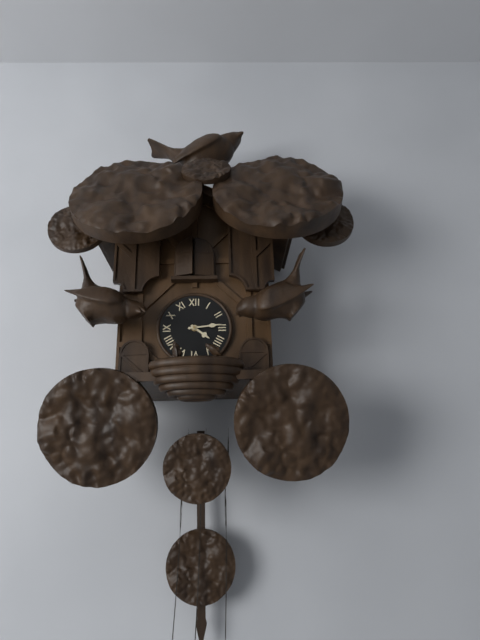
4h14
